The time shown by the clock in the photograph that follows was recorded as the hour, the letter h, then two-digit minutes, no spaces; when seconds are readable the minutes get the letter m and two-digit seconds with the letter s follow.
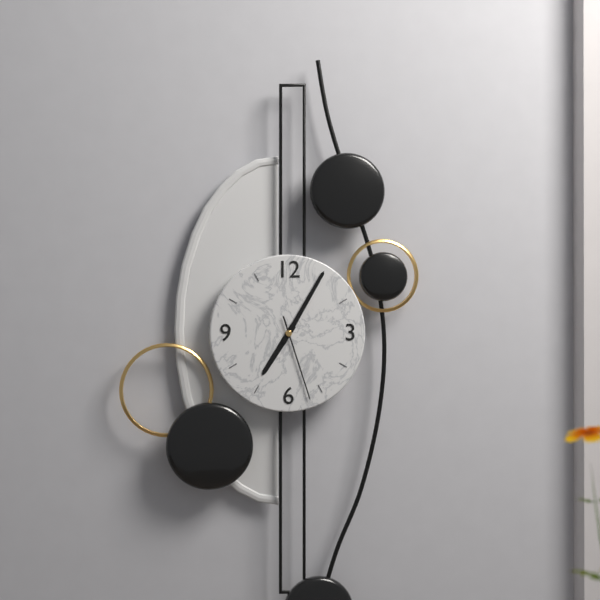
7h05m27s
